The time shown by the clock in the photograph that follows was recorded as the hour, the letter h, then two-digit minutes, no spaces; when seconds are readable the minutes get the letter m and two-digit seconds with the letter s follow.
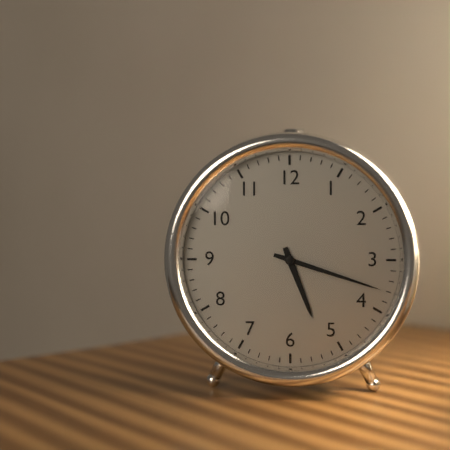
5h18
